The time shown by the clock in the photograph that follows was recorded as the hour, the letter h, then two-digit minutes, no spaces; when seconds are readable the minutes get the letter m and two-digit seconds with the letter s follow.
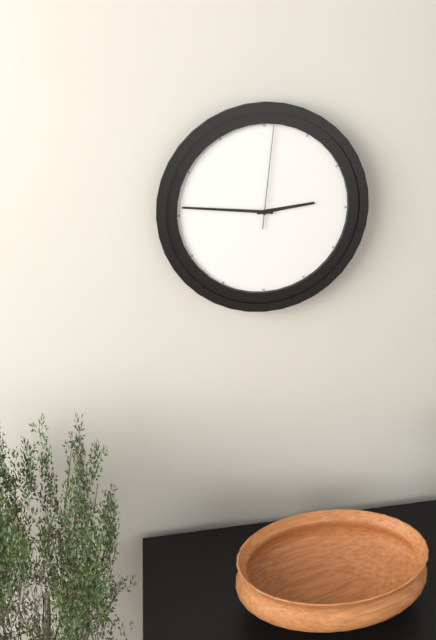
2h46m01s
